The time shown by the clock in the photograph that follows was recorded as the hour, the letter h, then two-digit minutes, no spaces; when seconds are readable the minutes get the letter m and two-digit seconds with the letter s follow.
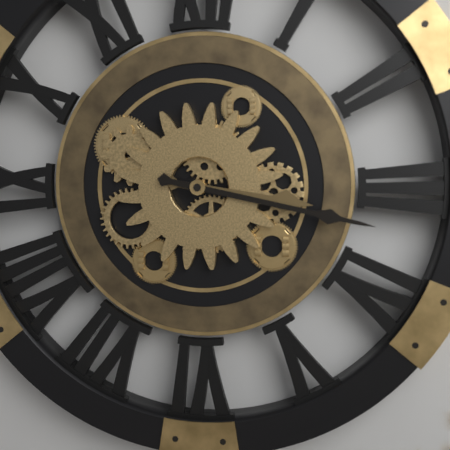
3h17
